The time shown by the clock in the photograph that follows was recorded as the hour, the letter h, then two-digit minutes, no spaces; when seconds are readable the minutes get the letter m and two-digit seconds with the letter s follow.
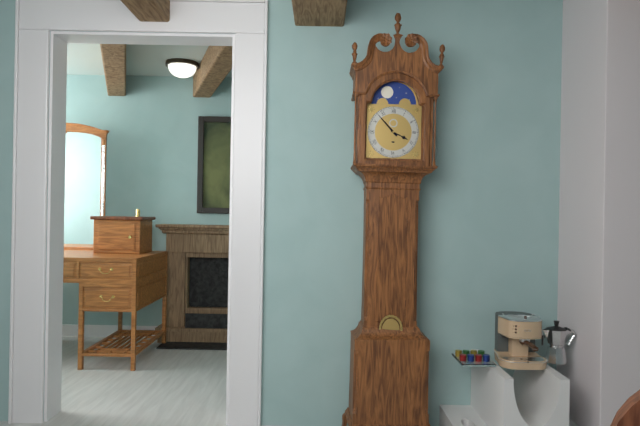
3h53
